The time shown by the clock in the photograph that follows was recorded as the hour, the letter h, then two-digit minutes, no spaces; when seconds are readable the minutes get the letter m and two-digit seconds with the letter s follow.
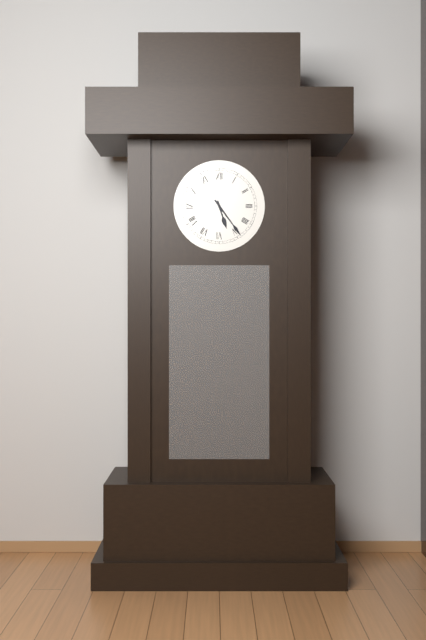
5h24
